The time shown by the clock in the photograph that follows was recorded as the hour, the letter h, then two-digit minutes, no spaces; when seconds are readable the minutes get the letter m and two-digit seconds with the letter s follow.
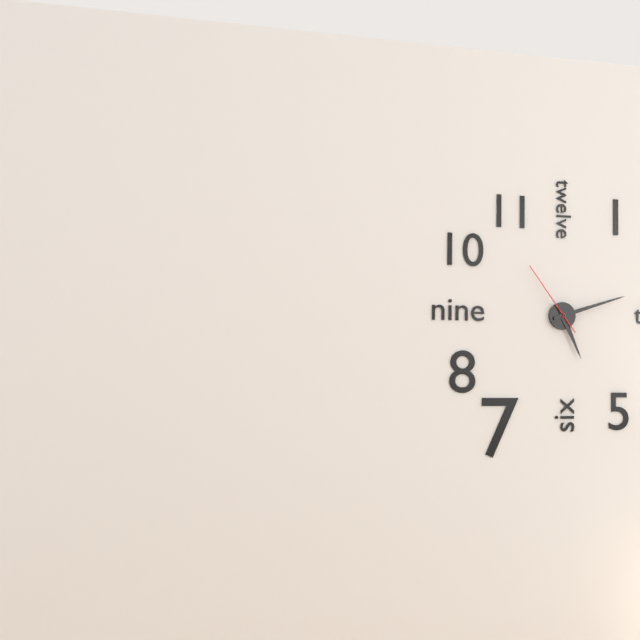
5h12m54s
